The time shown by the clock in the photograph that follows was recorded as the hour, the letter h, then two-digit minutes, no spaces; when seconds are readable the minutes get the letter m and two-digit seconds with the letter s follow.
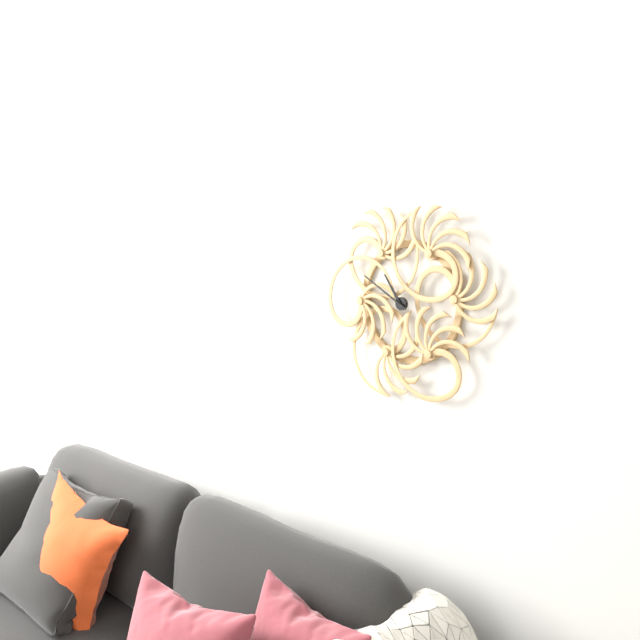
10h50
